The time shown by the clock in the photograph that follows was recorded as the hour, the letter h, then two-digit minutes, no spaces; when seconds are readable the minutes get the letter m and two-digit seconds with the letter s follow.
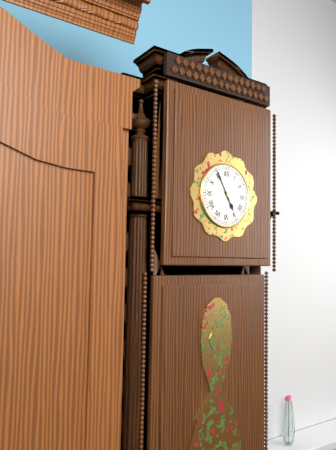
4h55
